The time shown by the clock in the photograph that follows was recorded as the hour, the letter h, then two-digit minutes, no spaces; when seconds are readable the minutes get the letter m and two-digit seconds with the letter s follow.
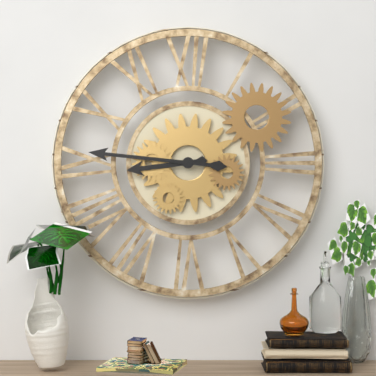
8h46
